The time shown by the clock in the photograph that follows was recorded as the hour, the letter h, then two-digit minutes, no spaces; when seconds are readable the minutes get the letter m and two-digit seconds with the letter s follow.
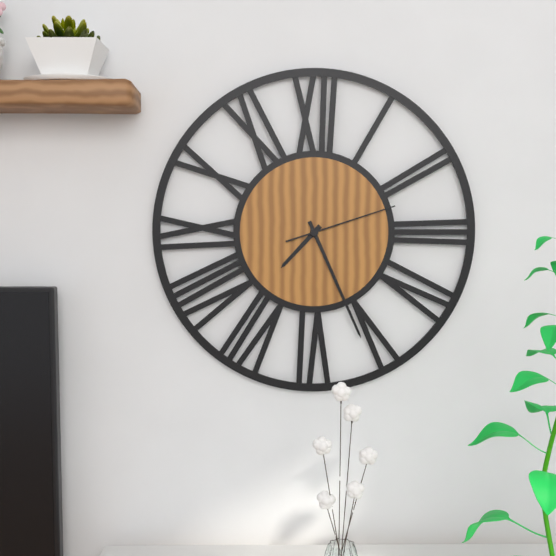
7h26m12s
